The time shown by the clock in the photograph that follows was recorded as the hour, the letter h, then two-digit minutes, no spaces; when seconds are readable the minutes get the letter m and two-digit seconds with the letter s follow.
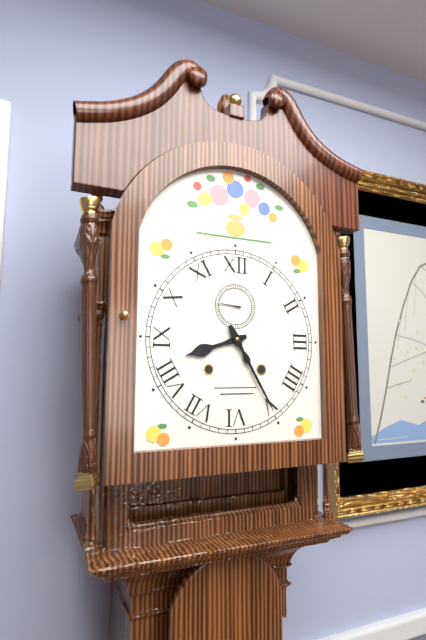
8h25
